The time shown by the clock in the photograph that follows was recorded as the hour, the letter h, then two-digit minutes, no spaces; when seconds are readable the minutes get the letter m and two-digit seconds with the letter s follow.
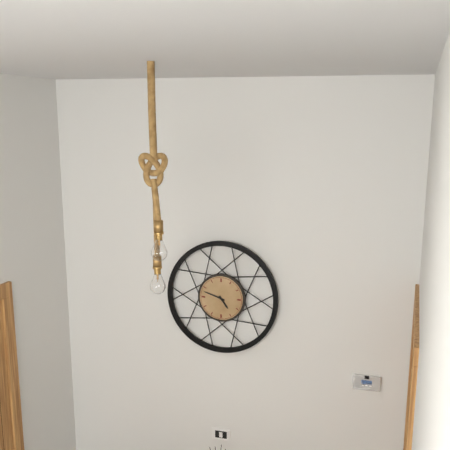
4h48
